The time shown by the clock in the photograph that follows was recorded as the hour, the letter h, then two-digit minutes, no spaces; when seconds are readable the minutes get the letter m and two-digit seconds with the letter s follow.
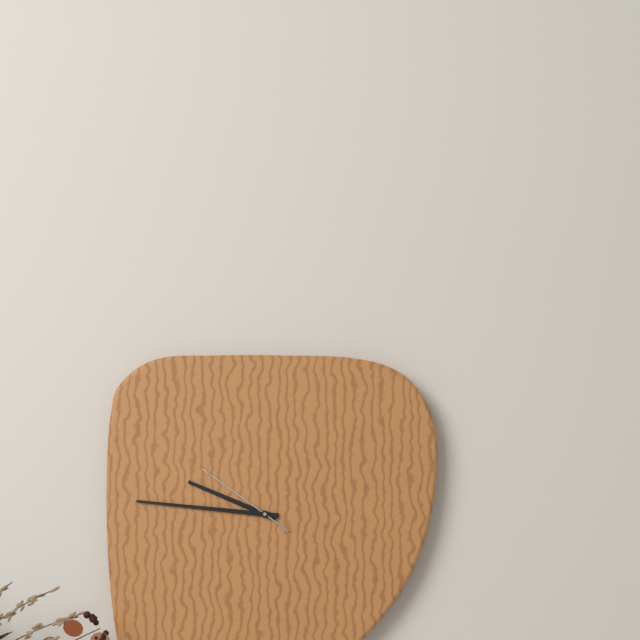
9h46m51s
